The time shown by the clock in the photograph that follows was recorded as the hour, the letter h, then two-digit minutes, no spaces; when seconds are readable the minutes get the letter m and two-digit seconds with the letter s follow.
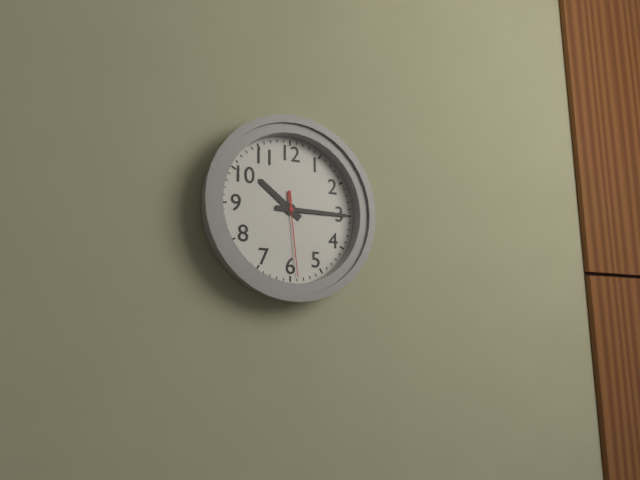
10h15m29s
